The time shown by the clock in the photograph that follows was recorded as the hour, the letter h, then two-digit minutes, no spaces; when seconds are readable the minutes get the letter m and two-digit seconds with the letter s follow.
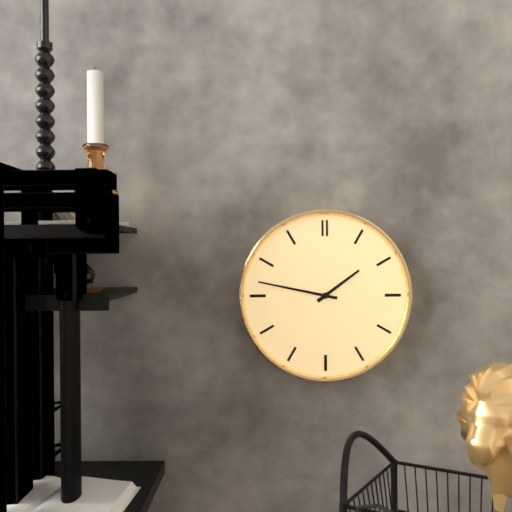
1h47
